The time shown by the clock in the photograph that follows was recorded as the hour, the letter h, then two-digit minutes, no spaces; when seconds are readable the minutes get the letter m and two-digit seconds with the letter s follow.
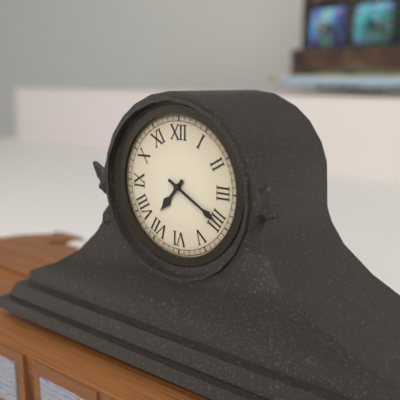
7h20
